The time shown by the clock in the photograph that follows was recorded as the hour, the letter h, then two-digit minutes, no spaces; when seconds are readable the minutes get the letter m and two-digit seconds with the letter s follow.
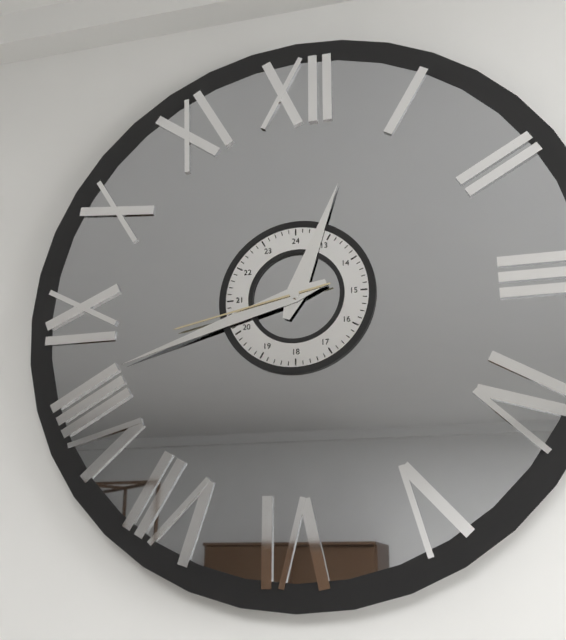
12h42m43s
